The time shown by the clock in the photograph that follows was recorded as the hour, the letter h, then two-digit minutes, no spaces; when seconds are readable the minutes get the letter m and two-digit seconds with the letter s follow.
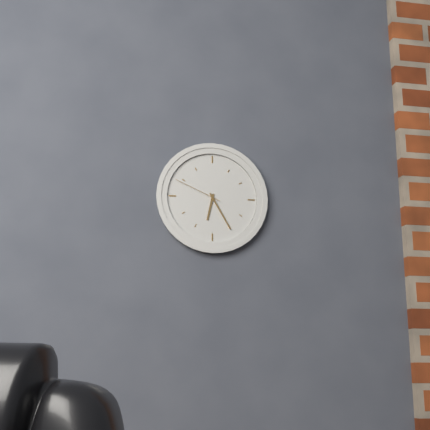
6h25m49s
